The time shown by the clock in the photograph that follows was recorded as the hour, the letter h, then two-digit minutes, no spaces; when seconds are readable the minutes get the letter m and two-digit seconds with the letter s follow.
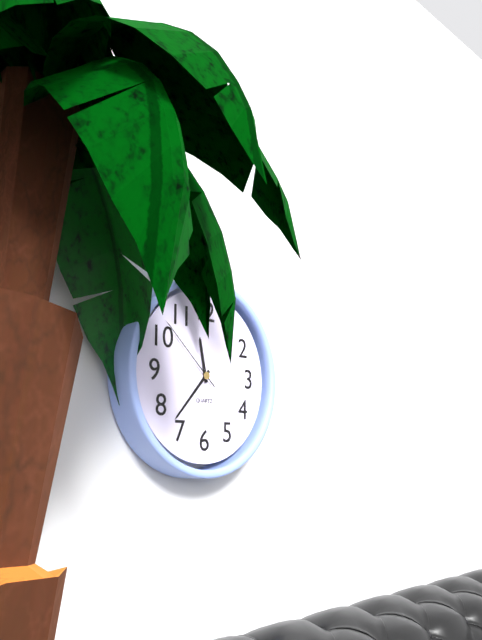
11h37m52s
